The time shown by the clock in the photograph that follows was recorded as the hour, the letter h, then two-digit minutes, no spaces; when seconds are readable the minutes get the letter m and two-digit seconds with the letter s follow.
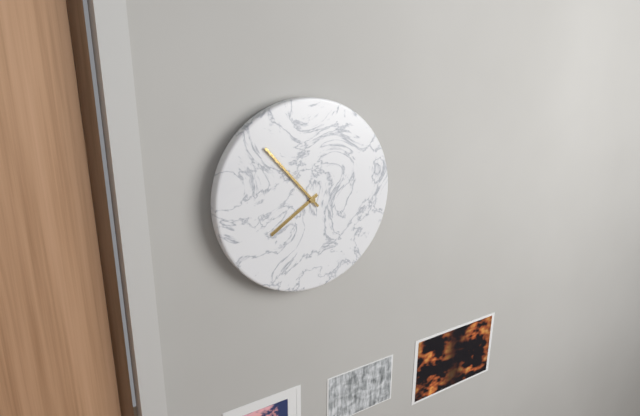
7h53
